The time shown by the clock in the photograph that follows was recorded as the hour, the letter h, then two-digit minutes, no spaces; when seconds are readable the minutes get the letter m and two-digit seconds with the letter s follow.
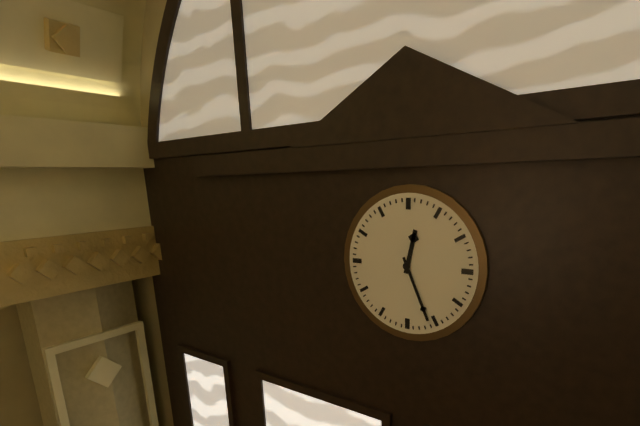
12h26
